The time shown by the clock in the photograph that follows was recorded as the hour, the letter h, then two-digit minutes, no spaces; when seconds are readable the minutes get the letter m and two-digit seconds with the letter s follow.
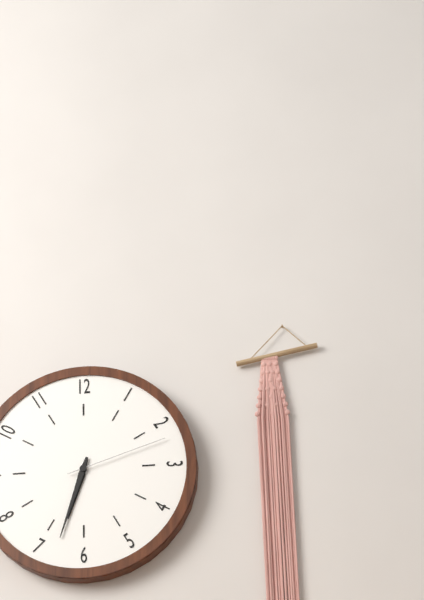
6h33m12s
